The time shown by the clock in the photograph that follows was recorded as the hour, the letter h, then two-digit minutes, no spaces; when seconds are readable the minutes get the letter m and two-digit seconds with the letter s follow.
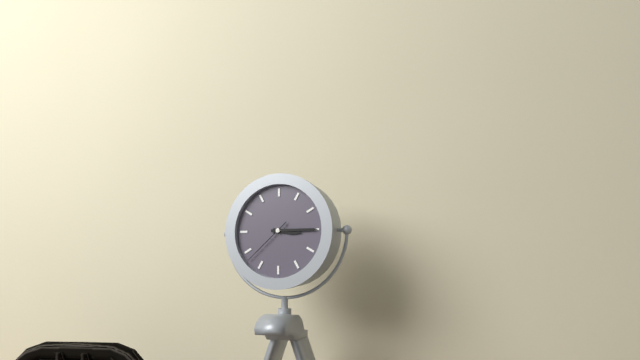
3h15m38s
